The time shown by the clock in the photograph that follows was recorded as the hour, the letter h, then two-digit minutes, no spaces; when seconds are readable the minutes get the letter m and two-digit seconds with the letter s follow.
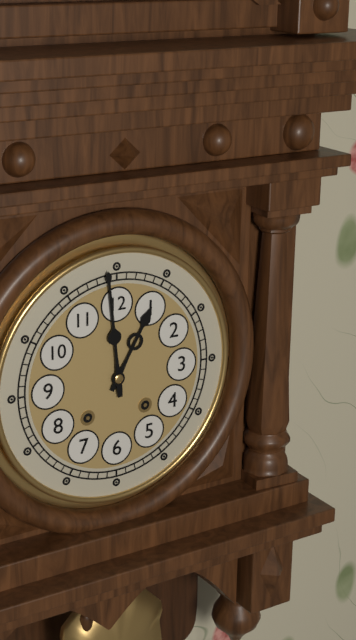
12h59
